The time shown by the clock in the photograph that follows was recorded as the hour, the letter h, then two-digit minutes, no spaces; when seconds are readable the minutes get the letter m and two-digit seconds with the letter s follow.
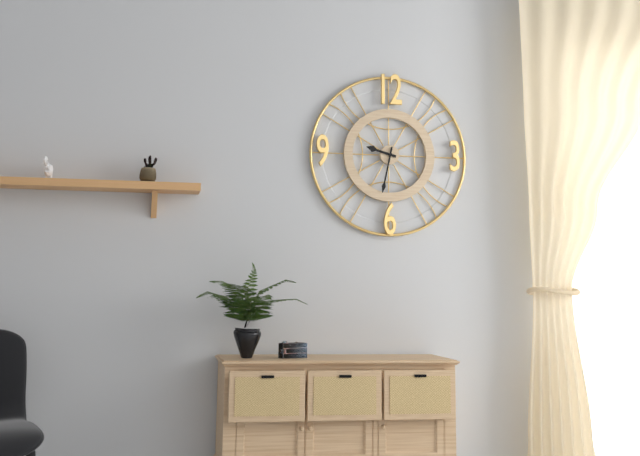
9h32
